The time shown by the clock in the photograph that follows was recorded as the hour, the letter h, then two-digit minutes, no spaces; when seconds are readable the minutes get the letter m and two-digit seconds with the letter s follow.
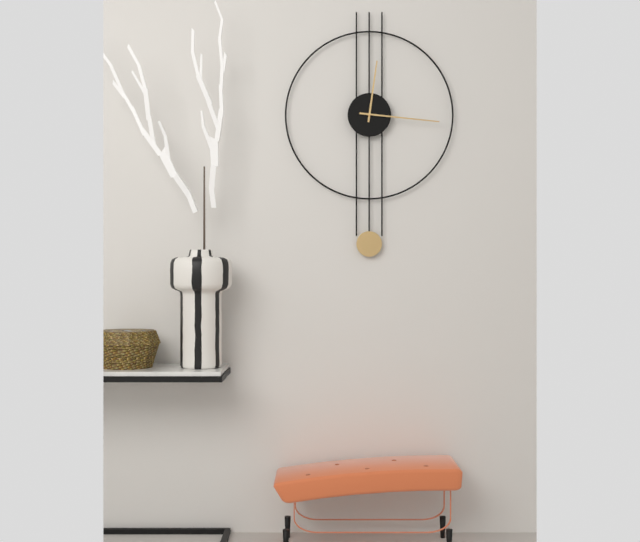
12h16
